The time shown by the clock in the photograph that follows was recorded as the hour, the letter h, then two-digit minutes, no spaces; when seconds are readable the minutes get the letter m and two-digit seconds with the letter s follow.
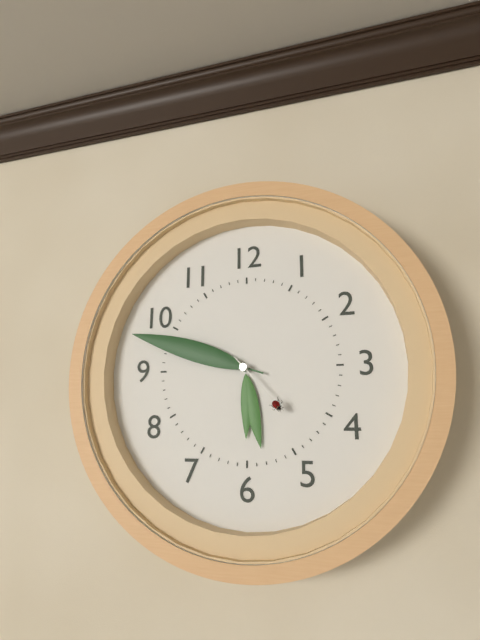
5h48m23s
